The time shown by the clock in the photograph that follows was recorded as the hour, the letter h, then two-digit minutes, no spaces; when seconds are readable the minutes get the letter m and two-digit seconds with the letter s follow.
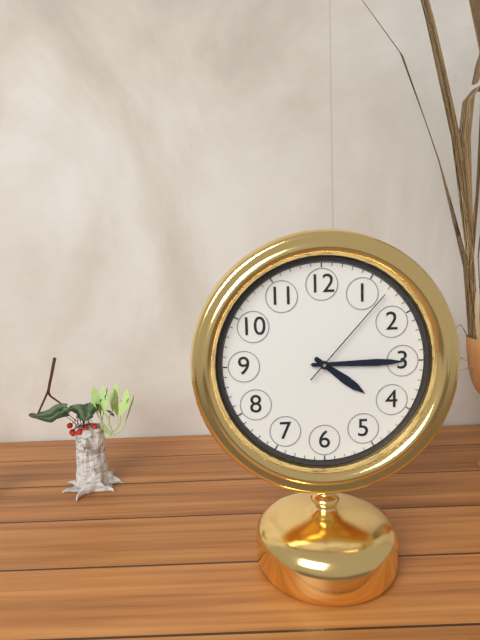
4h15m07s
